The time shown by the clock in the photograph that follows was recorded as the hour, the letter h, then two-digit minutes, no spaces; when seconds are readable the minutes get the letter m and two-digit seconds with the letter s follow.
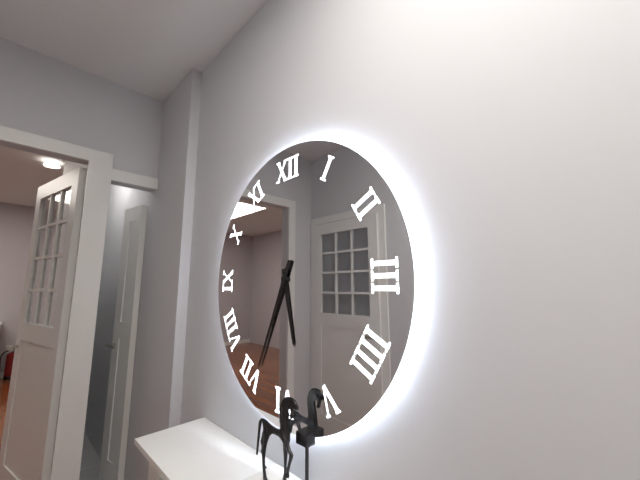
5h34
